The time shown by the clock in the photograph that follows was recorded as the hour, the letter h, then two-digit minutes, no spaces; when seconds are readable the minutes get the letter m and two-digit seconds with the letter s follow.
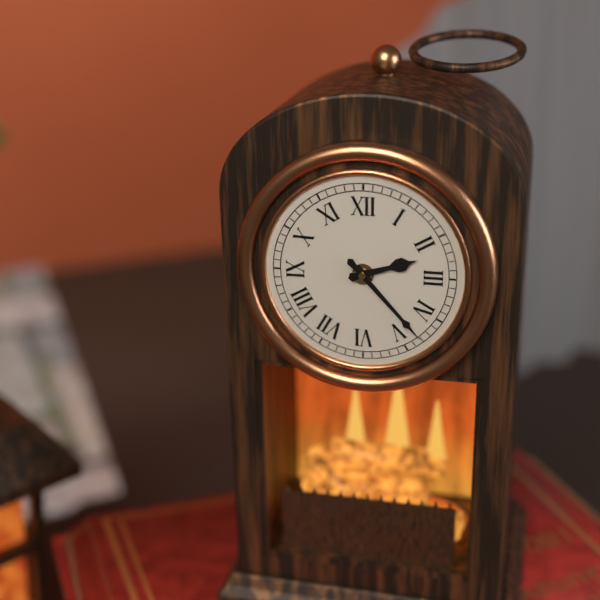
2h23
